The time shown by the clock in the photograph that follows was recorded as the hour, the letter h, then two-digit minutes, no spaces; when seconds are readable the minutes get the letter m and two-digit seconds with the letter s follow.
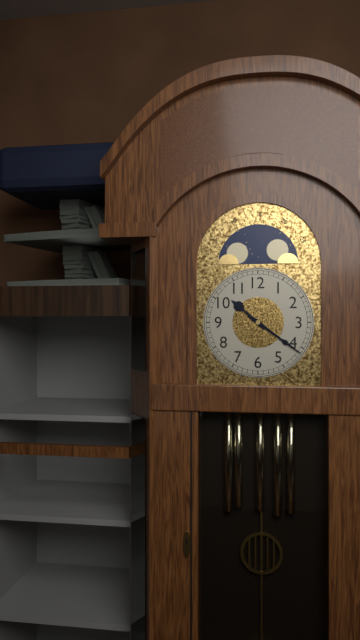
10h21
